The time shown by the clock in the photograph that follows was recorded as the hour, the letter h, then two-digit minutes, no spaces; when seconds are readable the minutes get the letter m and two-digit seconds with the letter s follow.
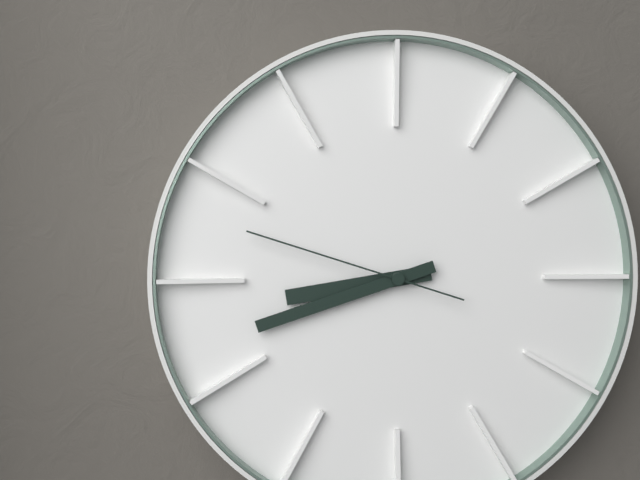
8h42m48s
